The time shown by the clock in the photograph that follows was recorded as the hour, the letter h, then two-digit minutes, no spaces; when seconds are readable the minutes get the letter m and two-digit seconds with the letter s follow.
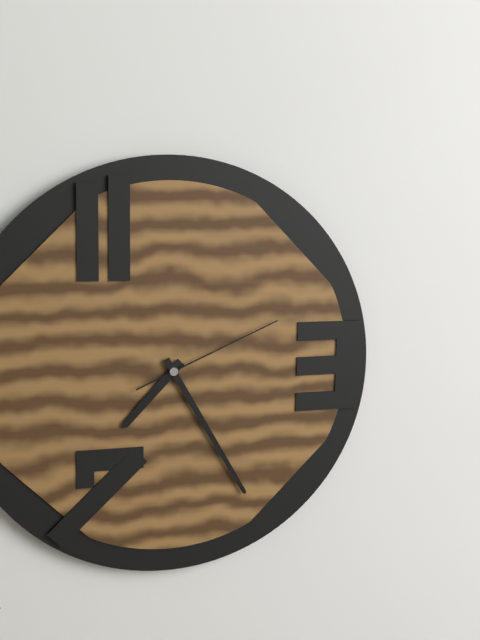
7h25m11s
